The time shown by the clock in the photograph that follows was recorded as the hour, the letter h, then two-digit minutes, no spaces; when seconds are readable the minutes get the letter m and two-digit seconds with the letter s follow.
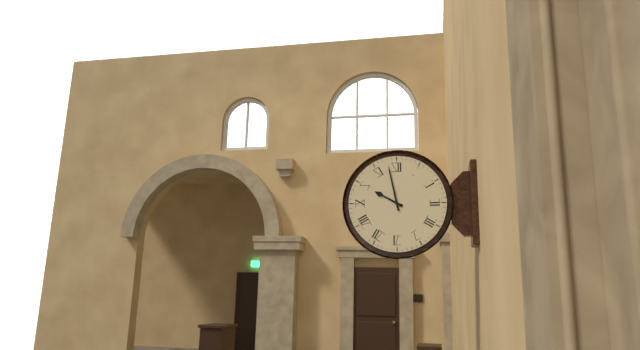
9h58
